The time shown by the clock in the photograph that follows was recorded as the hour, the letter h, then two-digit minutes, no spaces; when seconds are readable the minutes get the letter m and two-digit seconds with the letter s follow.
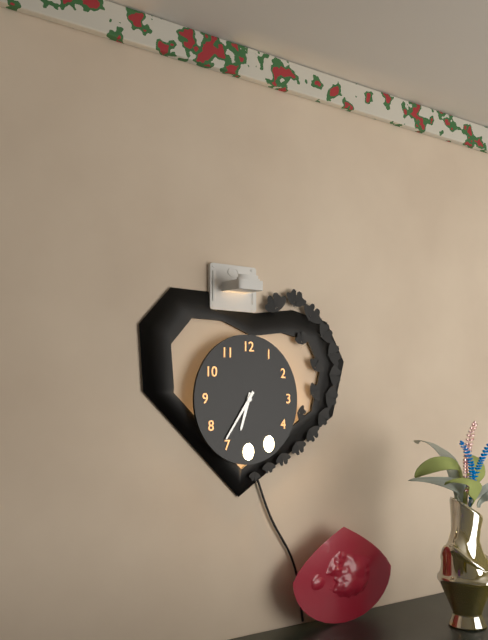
6h36
